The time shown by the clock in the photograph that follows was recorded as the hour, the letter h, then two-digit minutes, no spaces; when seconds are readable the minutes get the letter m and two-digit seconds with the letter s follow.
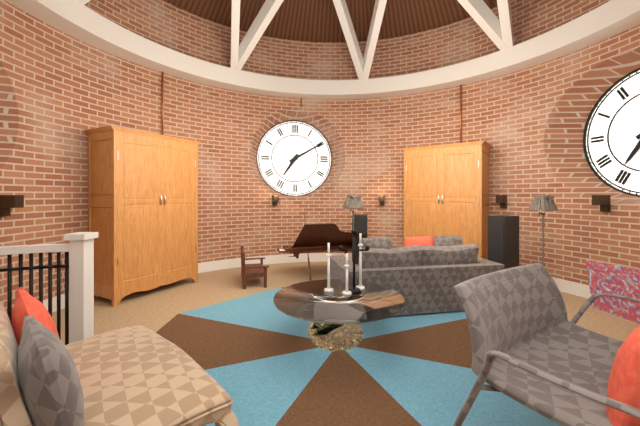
7h10
